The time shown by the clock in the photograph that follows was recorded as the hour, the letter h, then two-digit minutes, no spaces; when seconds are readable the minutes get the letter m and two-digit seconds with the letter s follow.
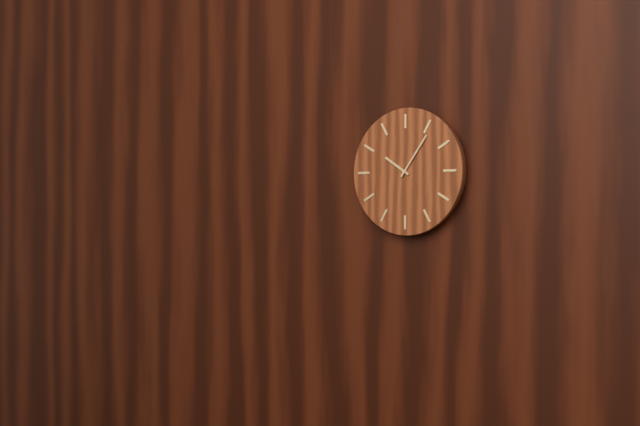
10h06
